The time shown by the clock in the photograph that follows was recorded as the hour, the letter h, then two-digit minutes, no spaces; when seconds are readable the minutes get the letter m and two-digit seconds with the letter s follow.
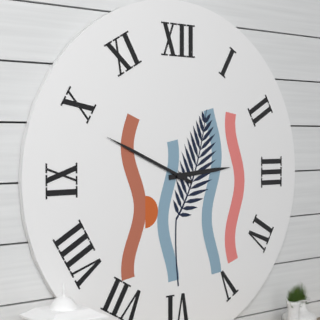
2h49
